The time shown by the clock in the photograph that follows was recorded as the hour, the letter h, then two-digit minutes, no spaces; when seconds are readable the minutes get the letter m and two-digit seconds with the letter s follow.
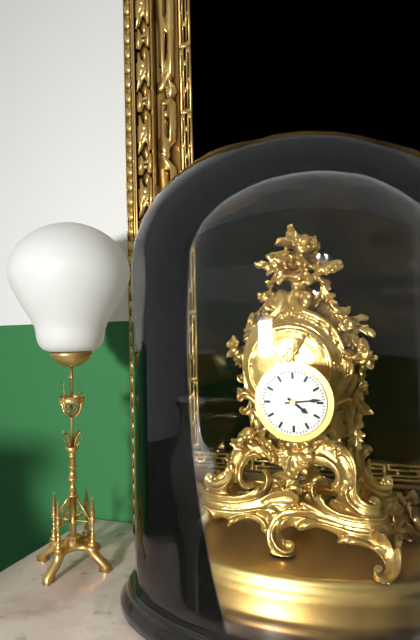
4h14
